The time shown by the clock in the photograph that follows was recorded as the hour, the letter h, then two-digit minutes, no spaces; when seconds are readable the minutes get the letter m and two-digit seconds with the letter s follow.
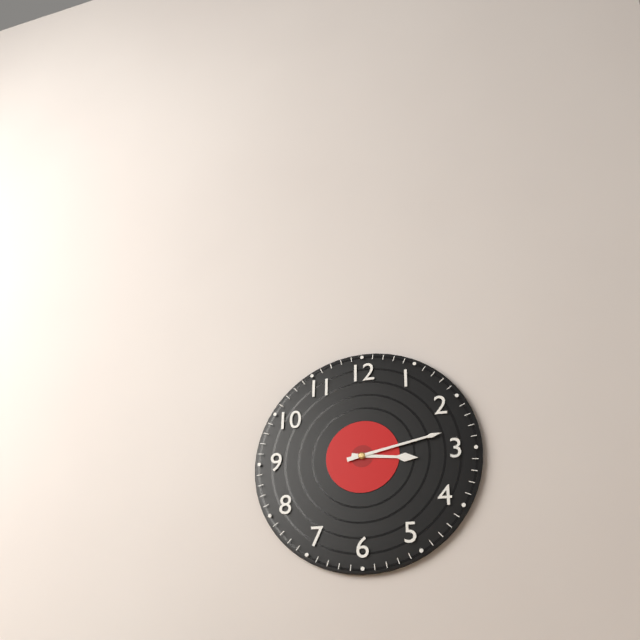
3h13
